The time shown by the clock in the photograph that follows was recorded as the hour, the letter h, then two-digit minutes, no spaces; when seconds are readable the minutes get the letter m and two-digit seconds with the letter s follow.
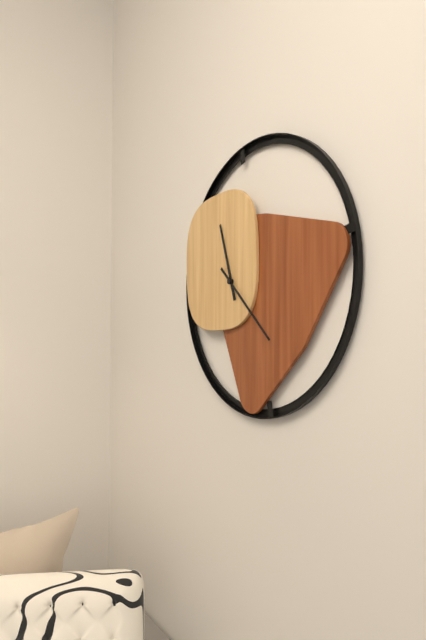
11h22
